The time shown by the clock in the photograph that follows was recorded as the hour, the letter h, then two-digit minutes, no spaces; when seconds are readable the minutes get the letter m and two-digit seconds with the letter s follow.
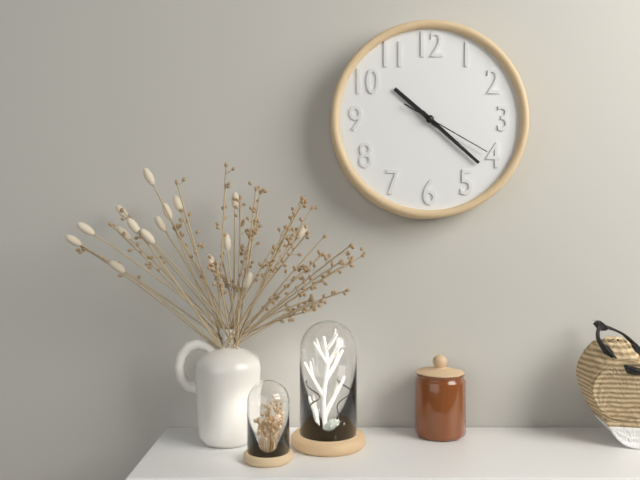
10h22m20s
